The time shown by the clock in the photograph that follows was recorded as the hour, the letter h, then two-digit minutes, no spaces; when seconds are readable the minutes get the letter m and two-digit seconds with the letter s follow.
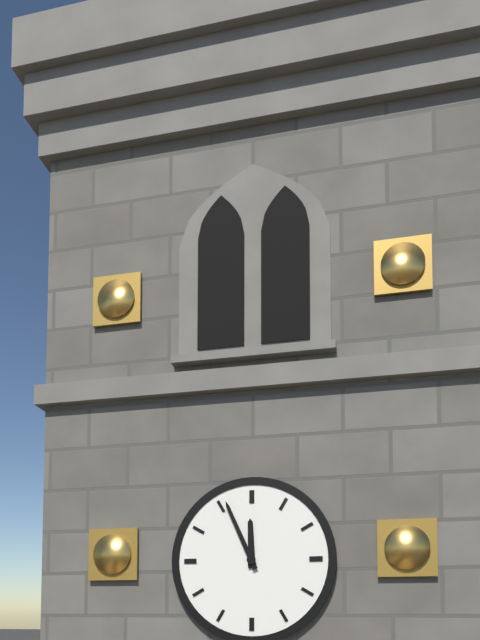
11h56
